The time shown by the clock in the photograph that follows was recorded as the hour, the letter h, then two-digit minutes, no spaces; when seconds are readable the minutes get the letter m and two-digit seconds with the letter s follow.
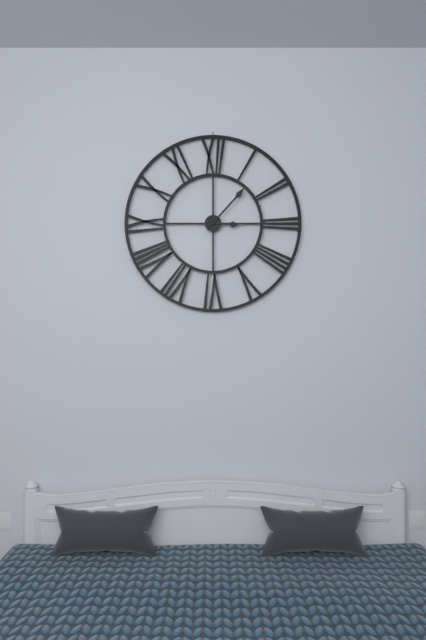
3h07
